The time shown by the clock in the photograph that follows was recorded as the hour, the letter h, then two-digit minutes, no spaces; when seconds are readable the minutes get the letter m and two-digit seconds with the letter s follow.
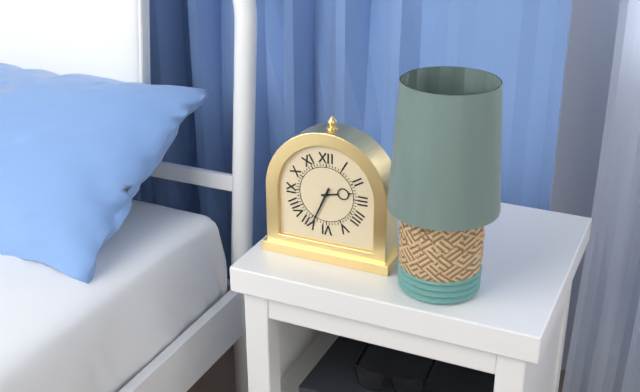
2h34
